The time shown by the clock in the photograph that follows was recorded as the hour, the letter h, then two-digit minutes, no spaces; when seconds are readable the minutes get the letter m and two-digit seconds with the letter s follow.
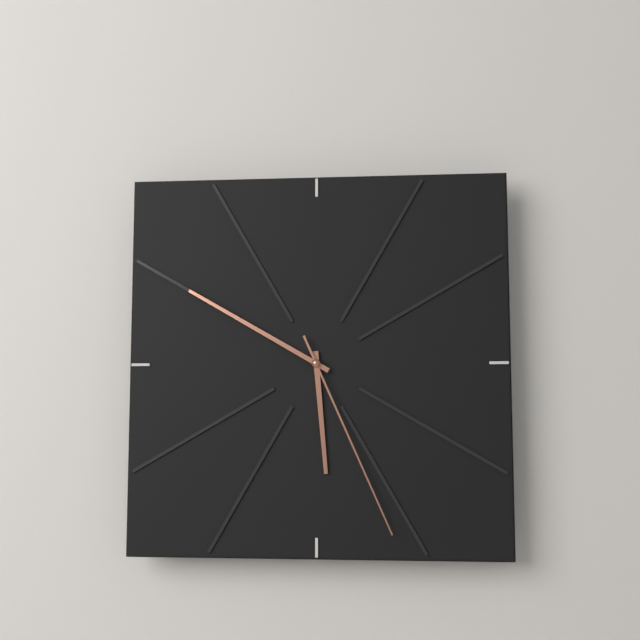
5h50m26s
